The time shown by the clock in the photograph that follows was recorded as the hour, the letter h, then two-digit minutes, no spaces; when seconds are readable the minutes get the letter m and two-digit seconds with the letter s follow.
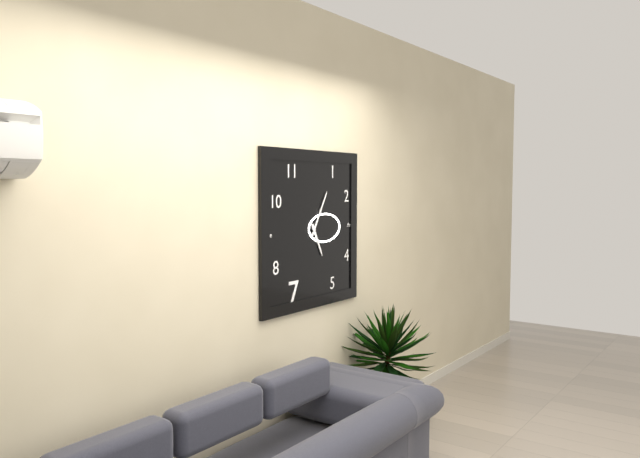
5h05
